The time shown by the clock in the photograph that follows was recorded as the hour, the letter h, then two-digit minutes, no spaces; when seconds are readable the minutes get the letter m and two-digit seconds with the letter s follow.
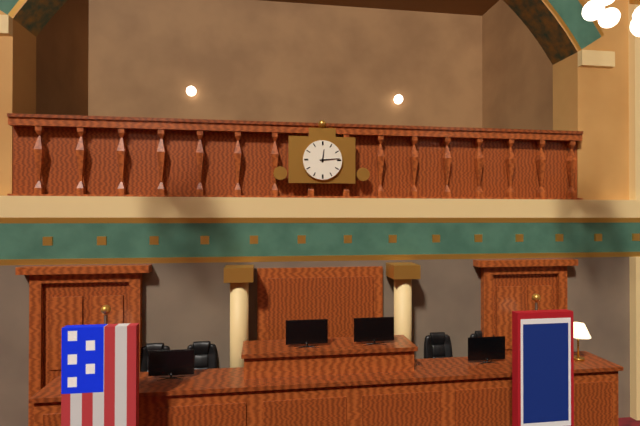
12h14
